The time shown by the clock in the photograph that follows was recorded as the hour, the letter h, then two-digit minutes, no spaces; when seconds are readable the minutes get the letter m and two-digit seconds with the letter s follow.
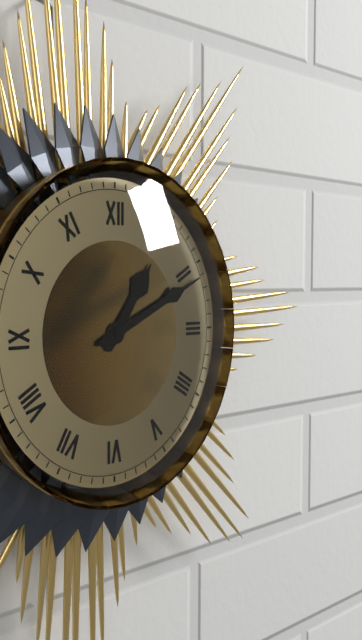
1h11
